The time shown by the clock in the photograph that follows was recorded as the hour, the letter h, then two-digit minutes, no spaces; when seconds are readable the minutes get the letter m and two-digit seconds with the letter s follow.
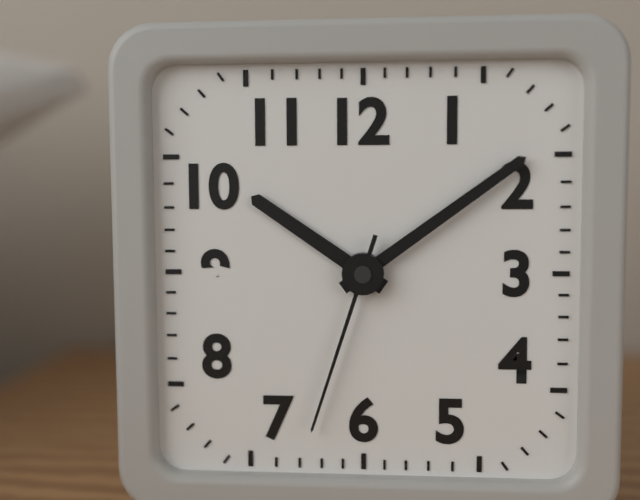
10h09m33s
